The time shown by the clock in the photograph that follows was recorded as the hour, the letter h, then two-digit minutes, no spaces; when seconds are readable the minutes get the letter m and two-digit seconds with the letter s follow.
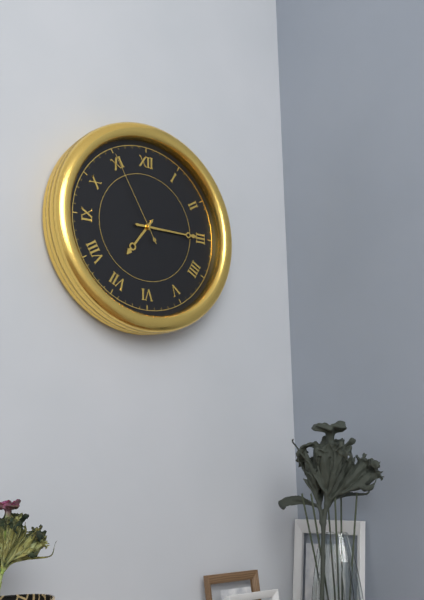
7h15m55s
